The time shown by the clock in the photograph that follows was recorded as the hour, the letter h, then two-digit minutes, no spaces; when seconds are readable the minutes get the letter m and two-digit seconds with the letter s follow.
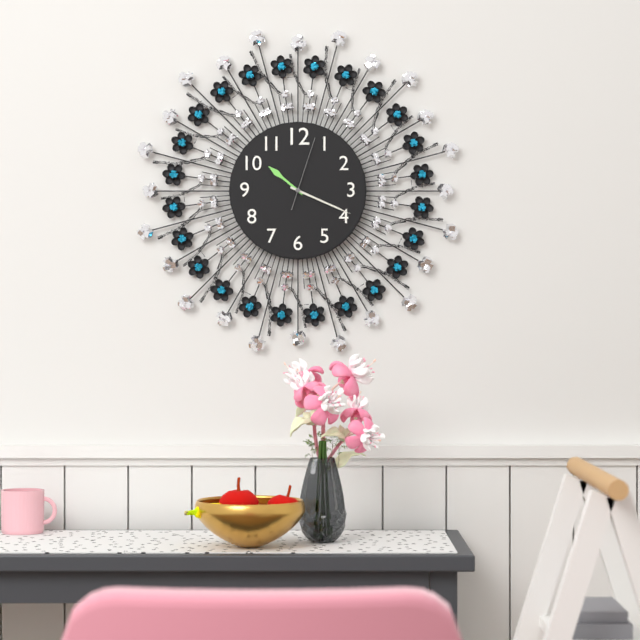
10h19m03s
